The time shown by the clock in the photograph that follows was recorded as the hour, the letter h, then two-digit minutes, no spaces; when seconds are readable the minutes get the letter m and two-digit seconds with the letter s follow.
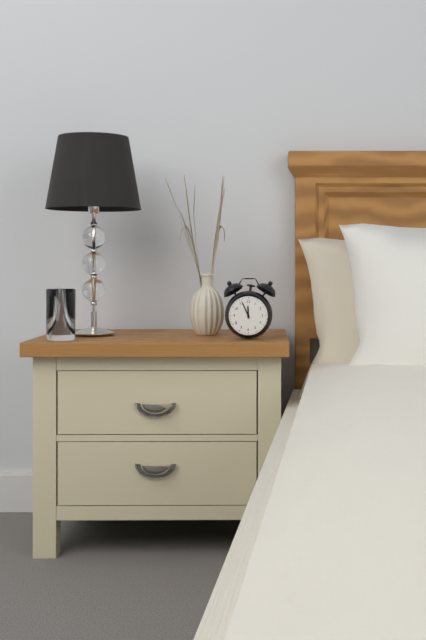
11h56
